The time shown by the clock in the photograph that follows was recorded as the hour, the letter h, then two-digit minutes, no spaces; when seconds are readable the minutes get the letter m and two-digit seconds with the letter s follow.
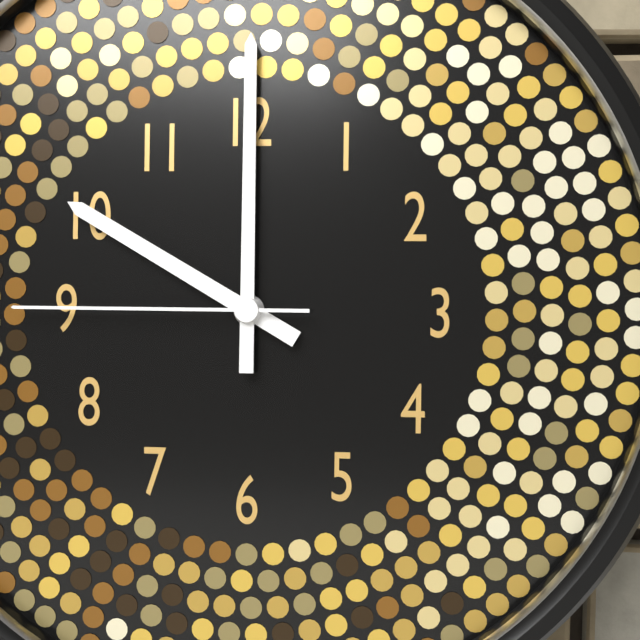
10h00m45s
